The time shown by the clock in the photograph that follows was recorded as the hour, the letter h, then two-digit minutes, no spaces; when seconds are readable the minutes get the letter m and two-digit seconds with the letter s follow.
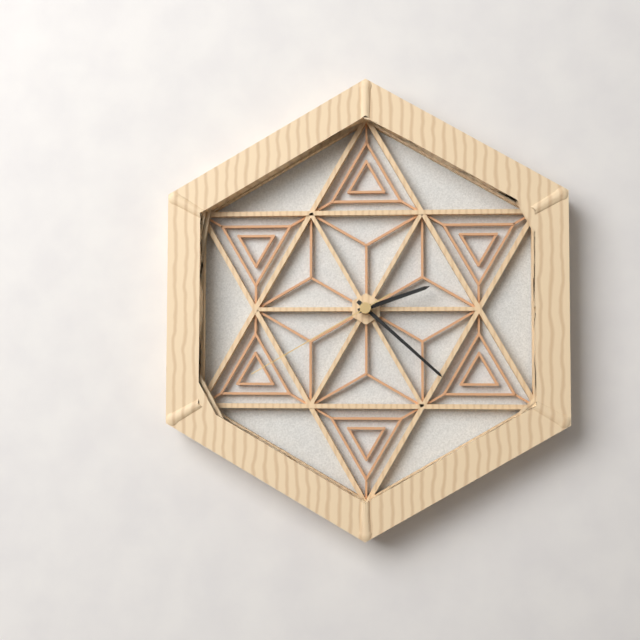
2h22m40s
